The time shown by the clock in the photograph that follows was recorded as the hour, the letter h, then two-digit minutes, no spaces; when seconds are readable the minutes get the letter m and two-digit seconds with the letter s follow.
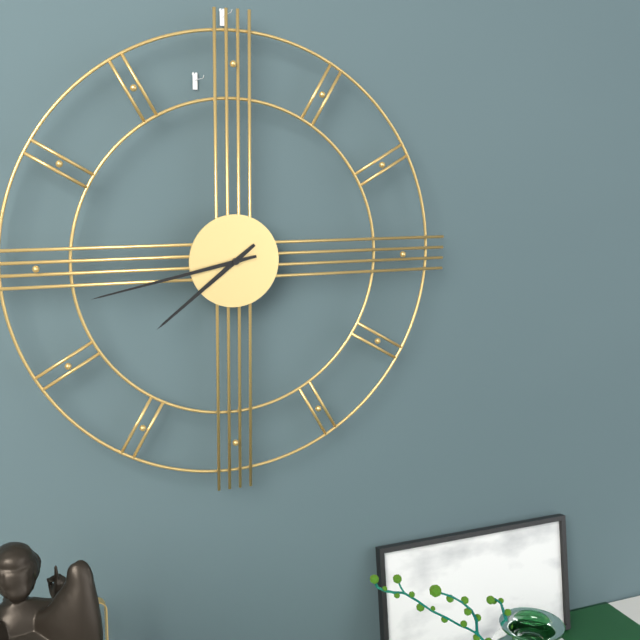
7h43
